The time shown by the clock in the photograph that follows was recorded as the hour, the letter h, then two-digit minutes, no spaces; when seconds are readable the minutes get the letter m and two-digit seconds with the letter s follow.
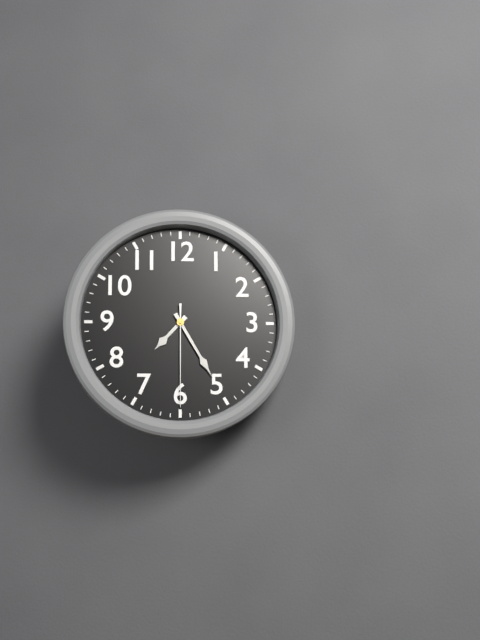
7h25m30s
